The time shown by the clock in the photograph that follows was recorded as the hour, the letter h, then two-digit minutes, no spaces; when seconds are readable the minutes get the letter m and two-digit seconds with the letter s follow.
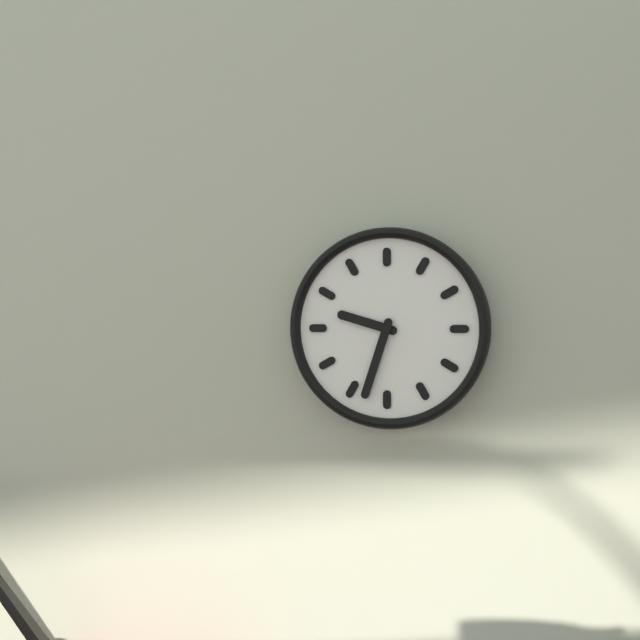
9h33
